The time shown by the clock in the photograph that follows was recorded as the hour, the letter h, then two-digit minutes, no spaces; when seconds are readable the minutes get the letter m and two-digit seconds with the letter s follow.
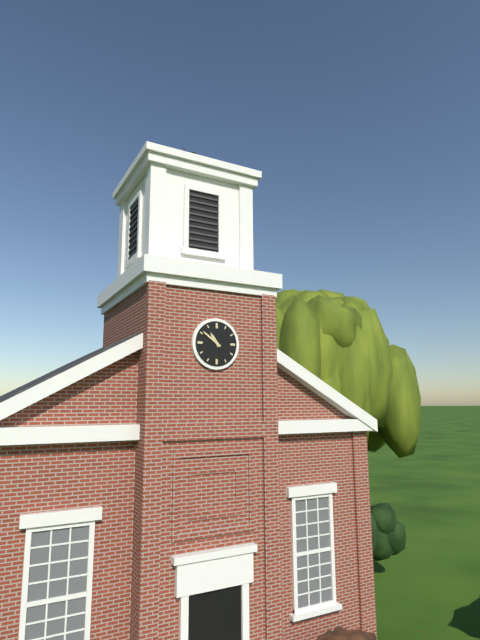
10h51
